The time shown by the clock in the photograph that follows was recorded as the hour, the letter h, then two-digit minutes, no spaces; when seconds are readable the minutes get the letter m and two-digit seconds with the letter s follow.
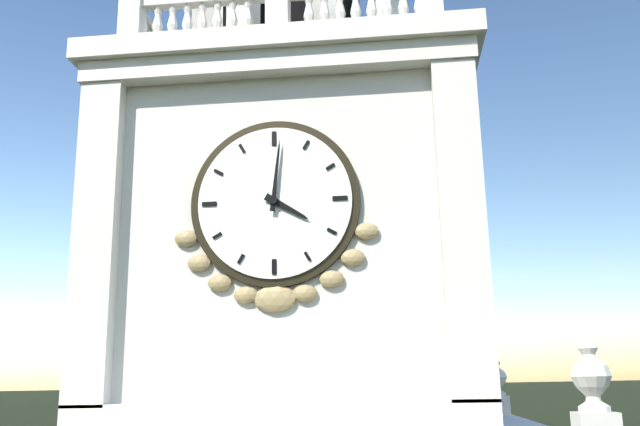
4h01
